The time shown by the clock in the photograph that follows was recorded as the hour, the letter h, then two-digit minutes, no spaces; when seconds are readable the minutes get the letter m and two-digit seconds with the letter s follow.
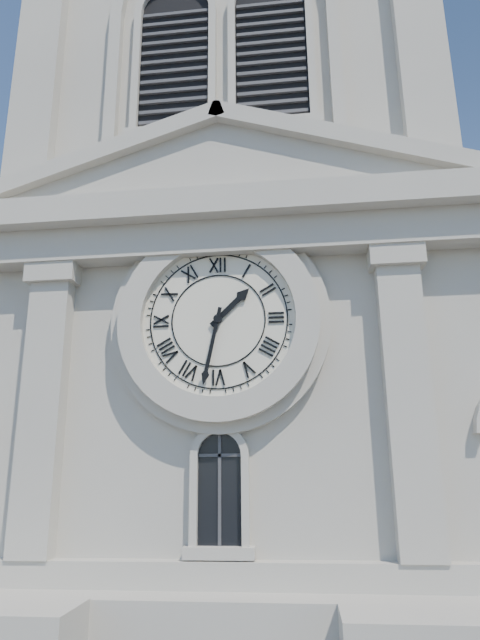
1h32
